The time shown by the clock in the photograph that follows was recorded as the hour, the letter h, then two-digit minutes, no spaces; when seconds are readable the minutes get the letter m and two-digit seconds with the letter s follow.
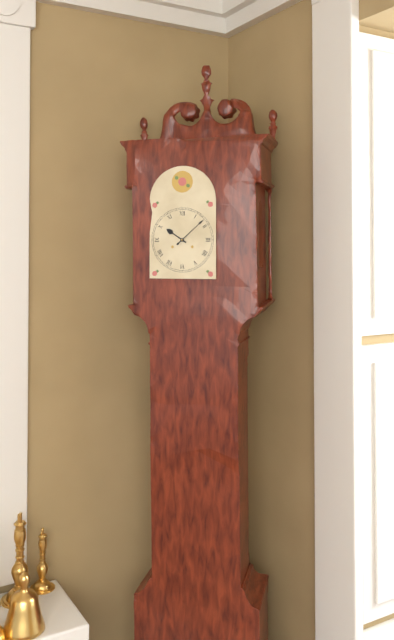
10h08
